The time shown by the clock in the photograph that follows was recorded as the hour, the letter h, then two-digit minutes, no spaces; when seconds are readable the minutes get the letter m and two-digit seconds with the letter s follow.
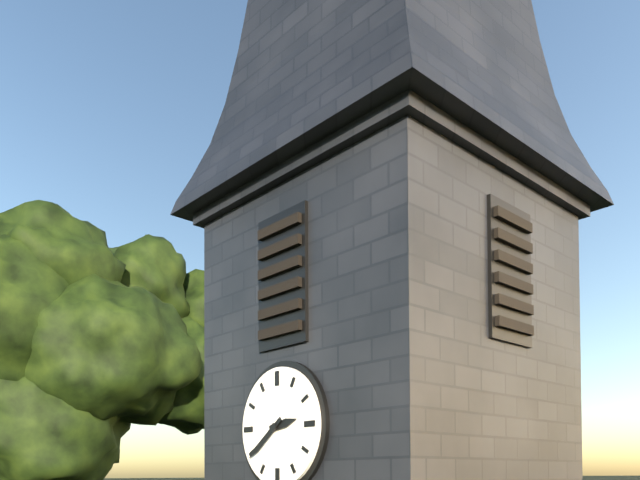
2h39
